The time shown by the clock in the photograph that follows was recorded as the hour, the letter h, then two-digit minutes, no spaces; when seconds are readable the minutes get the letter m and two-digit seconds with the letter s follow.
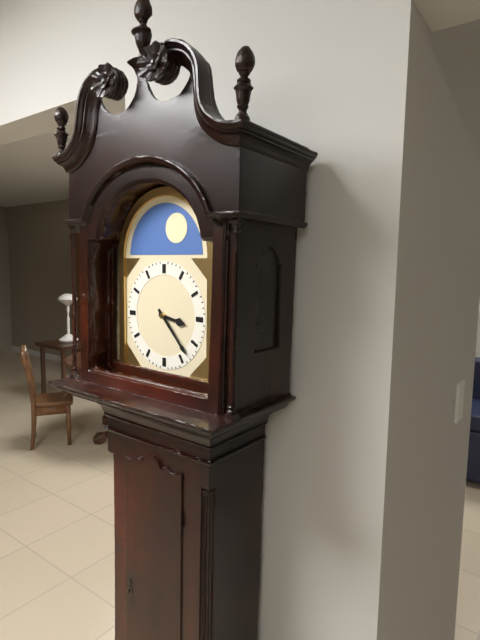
3h23
